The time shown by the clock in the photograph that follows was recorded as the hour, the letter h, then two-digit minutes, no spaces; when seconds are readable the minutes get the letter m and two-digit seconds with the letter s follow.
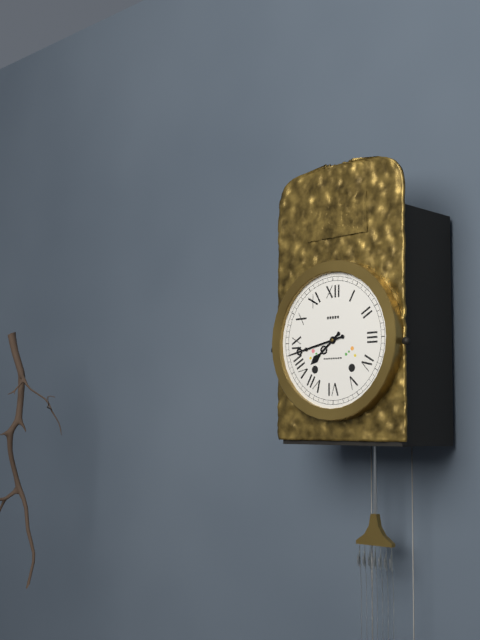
7h43
